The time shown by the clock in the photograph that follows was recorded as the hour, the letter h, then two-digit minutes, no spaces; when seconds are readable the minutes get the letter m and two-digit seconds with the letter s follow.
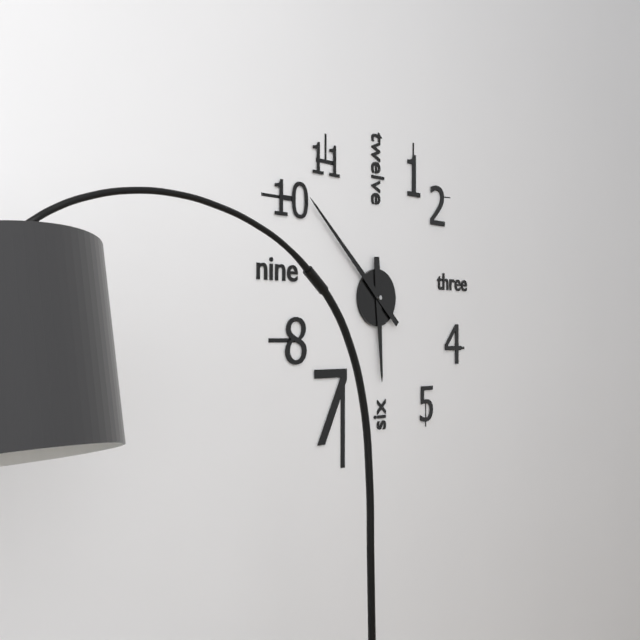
5h52
